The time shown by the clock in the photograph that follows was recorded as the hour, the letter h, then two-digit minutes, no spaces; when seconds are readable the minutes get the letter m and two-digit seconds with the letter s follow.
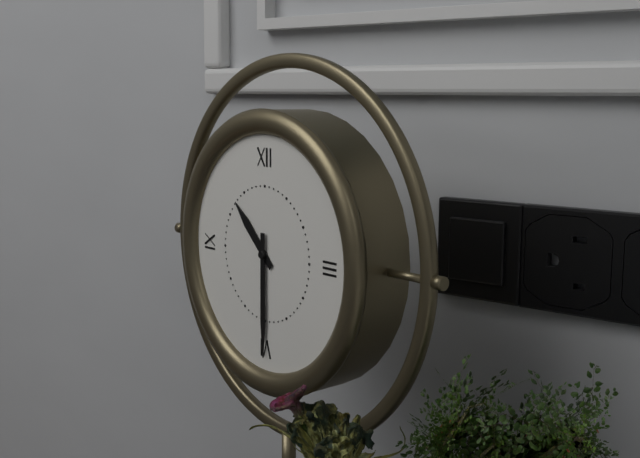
10h30
